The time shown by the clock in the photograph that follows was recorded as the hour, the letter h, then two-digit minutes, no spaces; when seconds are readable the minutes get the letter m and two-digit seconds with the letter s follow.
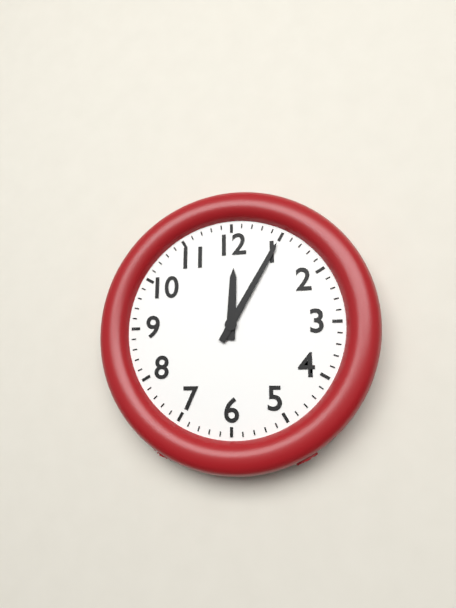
12h05
